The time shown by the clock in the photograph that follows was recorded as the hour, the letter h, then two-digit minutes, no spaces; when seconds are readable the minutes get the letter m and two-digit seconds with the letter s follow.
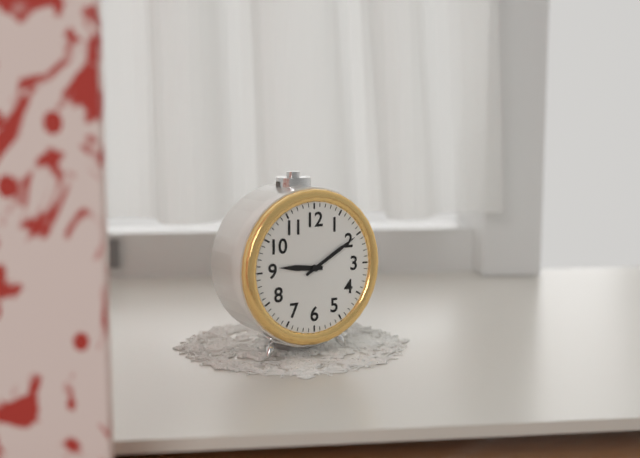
9h10
